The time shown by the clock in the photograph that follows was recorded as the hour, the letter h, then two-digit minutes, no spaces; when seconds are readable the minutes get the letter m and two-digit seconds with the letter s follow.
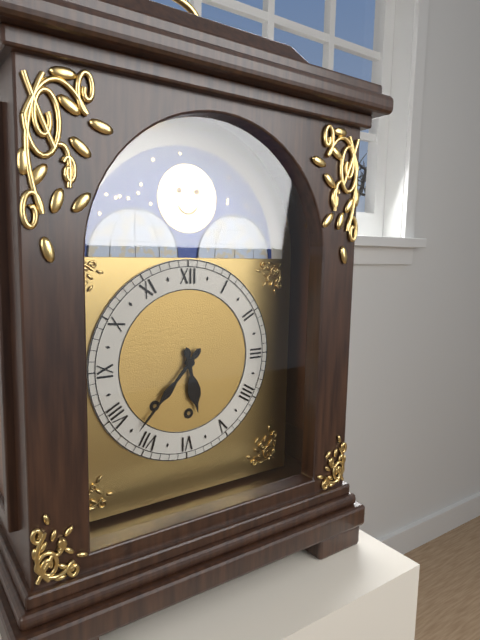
5h37
